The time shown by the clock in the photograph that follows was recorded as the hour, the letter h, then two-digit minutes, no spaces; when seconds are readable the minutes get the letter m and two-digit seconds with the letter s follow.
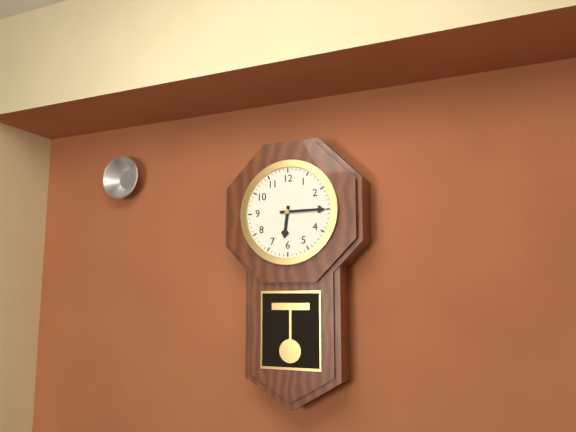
6h15
